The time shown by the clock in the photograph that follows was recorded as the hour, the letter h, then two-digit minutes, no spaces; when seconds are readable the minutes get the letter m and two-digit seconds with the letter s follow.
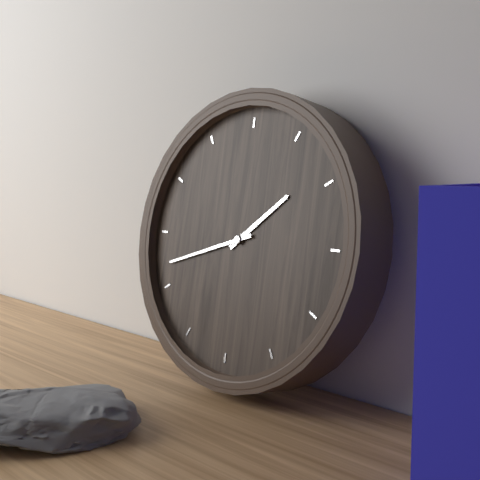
1h42
